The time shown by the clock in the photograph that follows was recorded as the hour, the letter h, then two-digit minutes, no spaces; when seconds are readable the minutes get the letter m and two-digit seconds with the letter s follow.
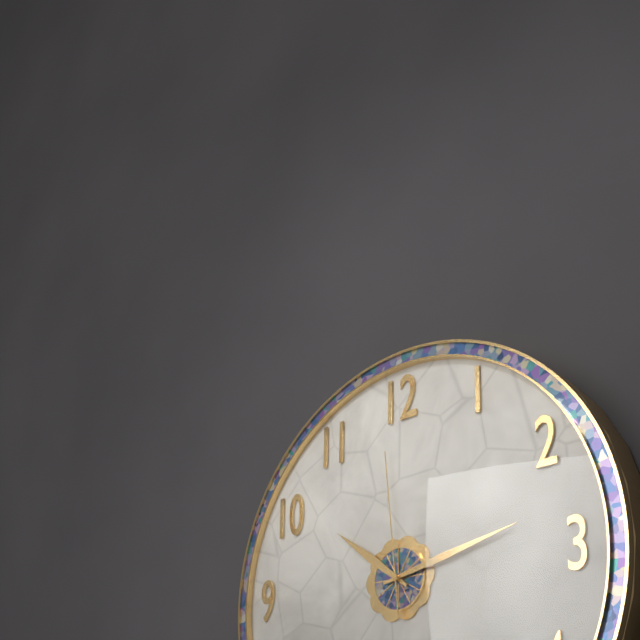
10h13m59s
